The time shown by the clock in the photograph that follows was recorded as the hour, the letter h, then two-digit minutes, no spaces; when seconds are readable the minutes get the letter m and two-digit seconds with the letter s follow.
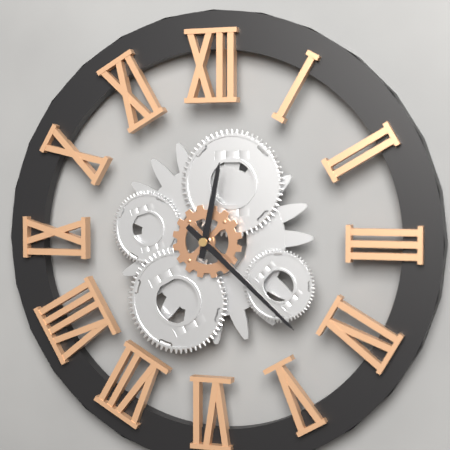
12h22
